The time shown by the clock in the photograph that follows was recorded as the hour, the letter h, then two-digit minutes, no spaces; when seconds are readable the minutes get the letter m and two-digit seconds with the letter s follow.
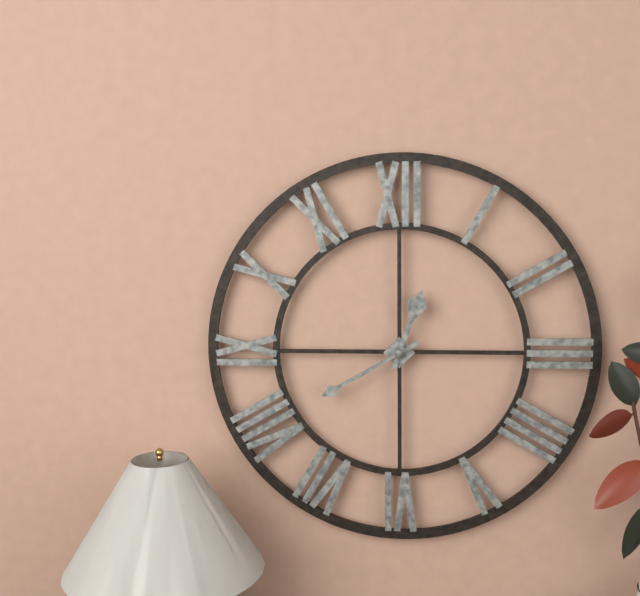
12h40
